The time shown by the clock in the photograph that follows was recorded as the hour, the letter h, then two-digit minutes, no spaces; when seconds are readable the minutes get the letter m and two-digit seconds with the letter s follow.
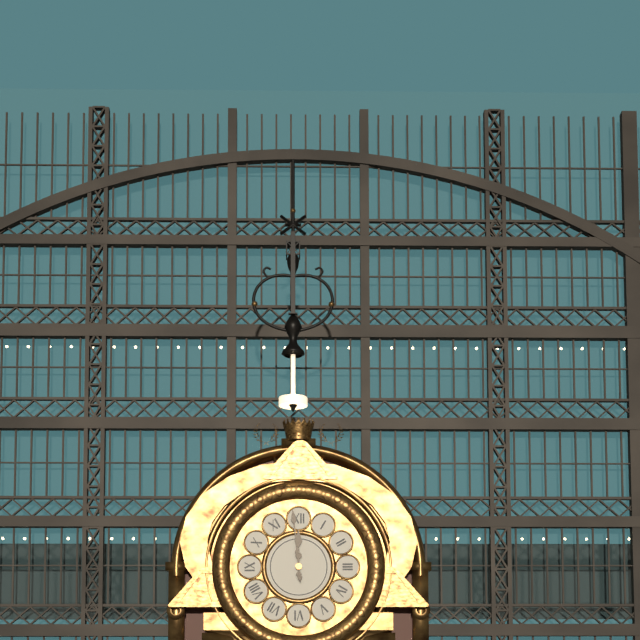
11h59
